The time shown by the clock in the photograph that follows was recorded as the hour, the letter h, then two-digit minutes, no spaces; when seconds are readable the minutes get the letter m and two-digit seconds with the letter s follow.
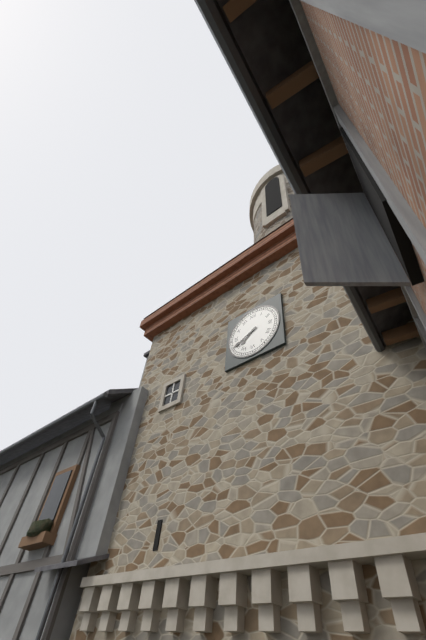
7h41
